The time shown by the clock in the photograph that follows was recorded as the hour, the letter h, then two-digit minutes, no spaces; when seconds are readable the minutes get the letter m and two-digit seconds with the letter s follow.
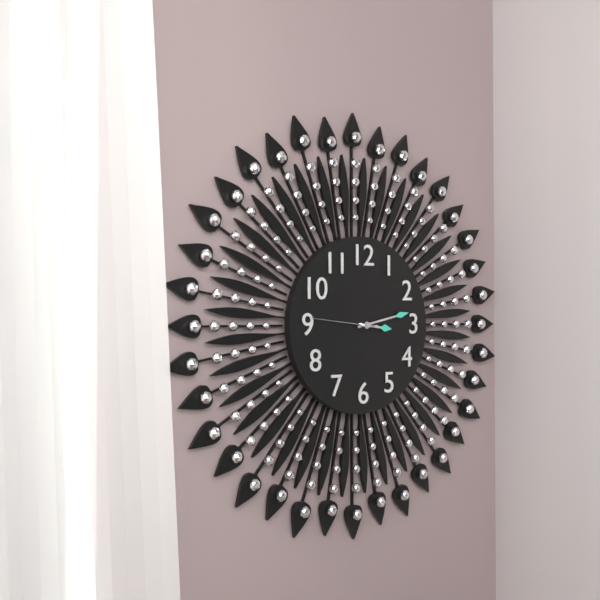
3h13m46s
